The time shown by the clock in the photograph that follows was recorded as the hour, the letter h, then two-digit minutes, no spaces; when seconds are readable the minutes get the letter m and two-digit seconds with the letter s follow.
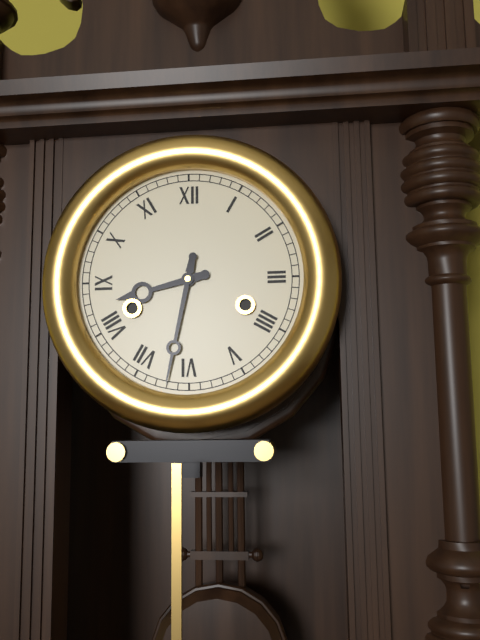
8h32
